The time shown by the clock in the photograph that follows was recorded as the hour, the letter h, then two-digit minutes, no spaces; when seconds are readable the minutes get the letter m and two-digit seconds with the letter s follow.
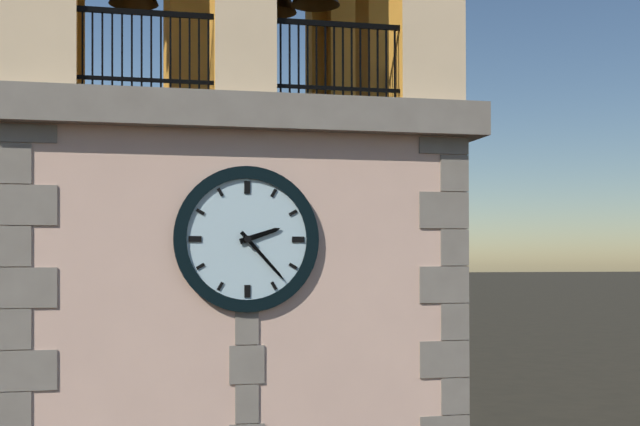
2h23
